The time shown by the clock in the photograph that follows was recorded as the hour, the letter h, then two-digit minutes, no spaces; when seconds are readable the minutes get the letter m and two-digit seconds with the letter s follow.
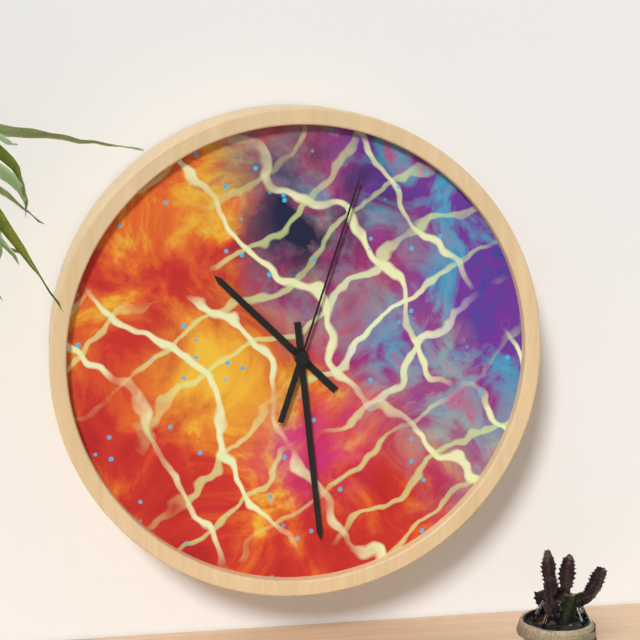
10h29m03s
